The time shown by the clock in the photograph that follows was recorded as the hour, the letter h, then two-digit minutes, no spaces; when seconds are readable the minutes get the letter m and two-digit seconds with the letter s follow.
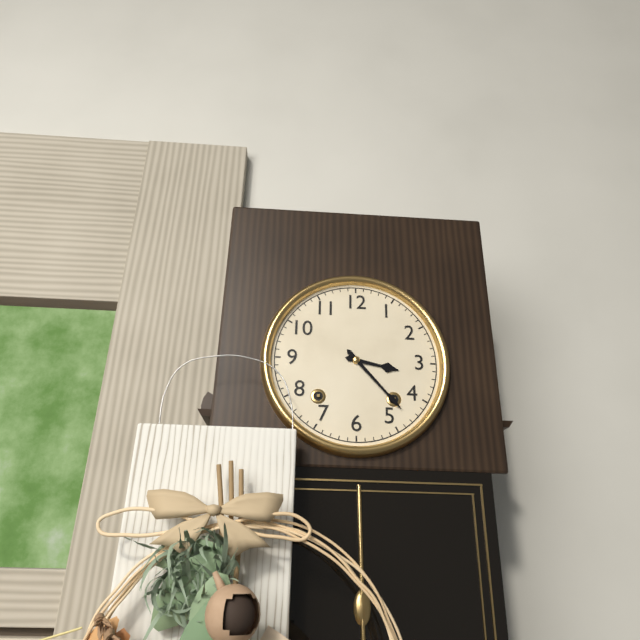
3h23
